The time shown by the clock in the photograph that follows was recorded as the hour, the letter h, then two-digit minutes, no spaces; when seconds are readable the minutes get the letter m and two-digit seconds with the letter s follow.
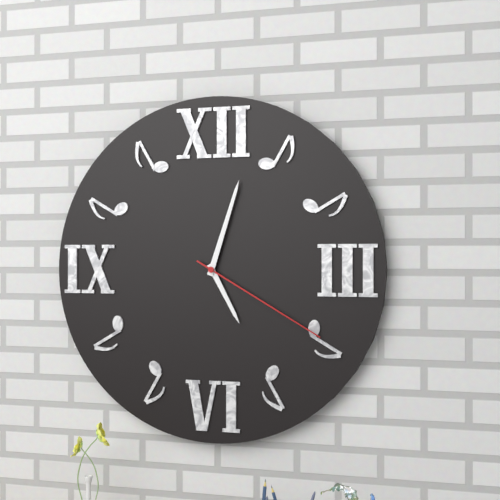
5h03m20s
